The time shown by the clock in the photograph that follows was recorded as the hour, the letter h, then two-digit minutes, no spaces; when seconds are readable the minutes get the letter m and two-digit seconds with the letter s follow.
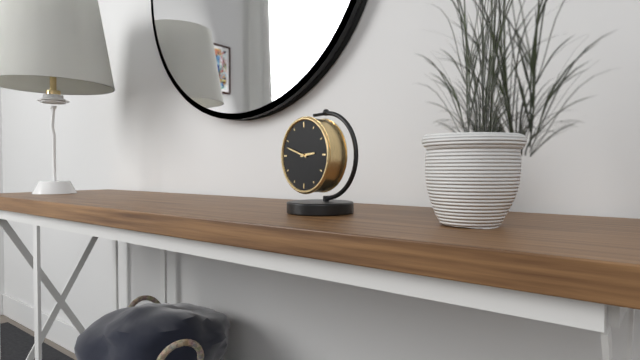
2h48
